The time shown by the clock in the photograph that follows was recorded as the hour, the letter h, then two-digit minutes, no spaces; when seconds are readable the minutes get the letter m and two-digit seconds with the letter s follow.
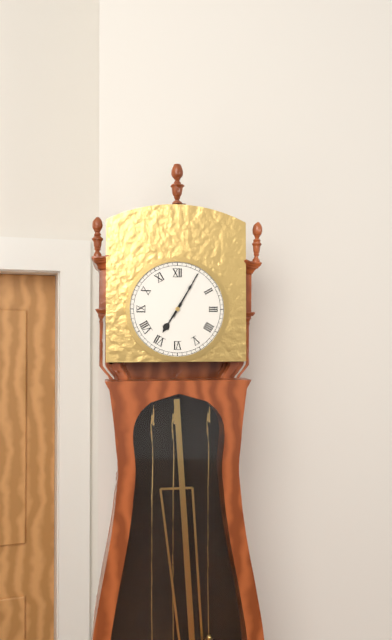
7h05
